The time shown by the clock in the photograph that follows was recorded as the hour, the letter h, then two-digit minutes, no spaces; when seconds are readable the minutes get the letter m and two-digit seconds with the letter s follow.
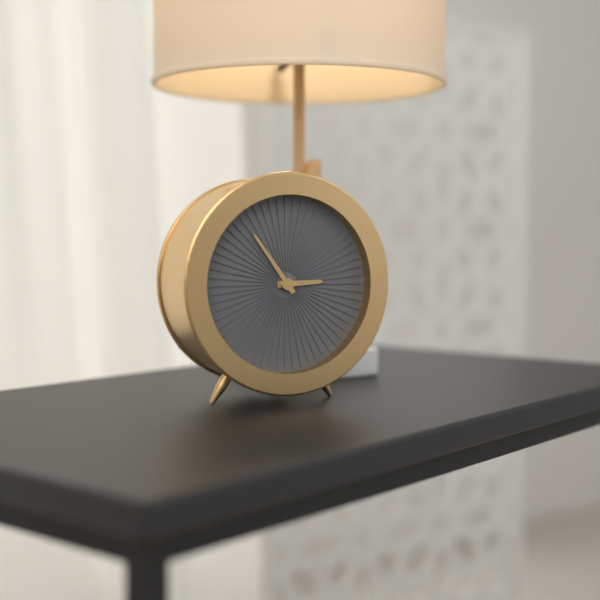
2h54
